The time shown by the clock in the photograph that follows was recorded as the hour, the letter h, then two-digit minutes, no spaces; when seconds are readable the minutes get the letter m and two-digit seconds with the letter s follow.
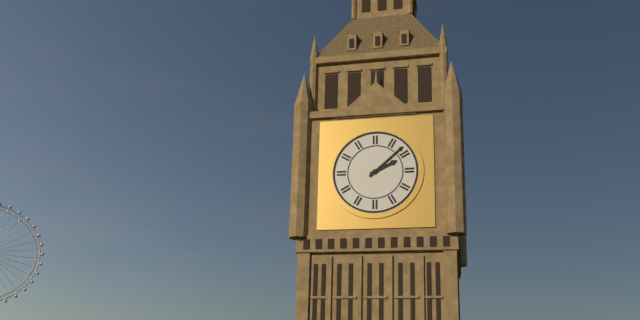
2h08
